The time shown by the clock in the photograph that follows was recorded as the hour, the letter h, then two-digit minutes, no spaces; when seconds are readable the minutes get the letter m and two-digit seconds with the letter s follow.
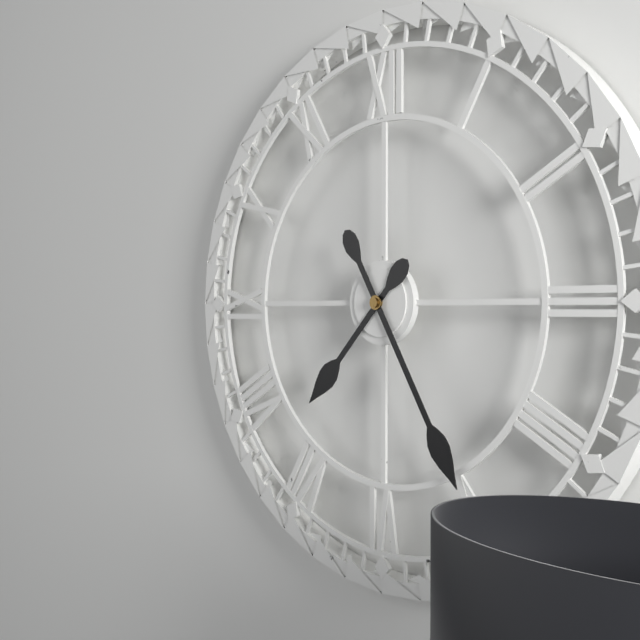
7h25
